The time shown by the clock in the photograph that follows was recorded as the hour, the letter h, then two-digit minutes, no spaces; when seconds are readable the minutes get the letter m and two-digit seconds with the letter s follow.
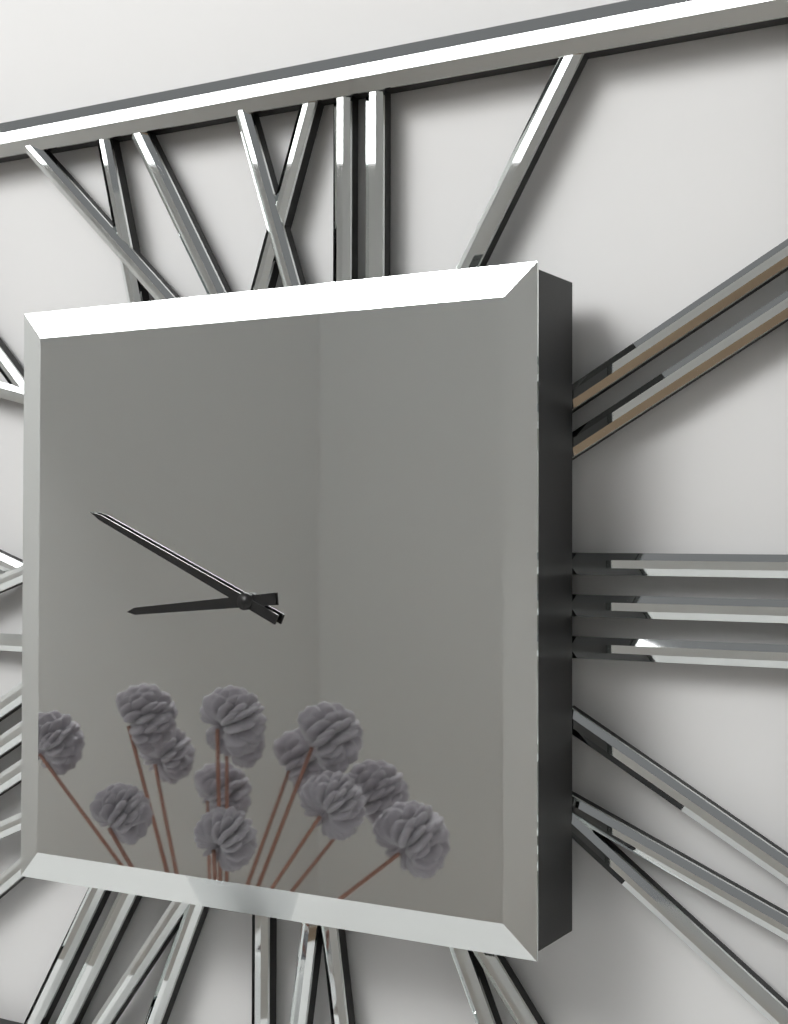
8h49
